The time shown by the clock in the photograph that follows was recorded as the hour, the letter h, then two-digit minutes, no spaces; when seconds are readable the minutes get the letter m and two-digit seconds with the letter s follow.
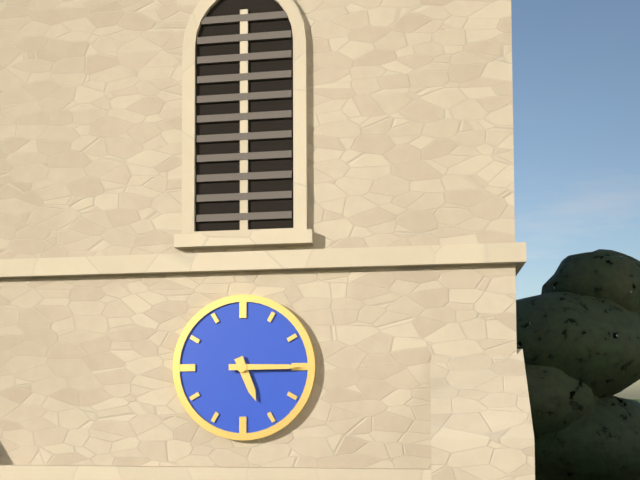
5h15
